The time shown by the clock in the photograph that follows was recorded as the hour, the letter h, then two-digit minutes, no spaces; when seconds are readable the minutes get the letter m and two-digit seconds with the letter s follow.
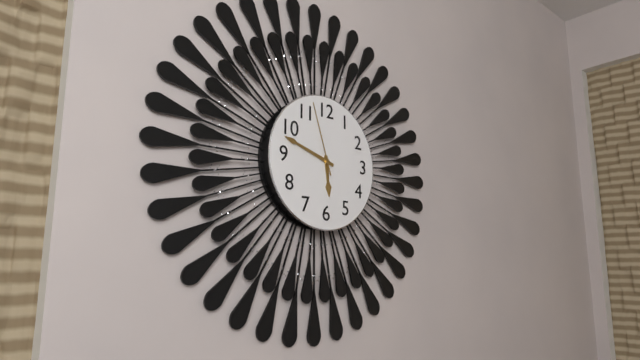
5h48m57s
